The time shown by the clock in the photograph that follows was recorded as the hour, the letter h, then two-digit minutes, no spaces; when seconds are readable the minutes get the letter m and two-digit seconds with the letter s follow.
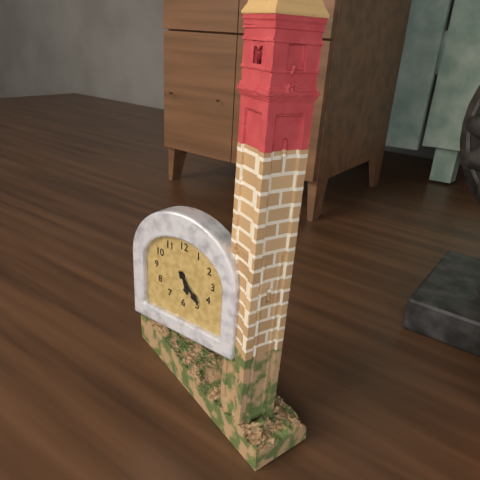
5h23
